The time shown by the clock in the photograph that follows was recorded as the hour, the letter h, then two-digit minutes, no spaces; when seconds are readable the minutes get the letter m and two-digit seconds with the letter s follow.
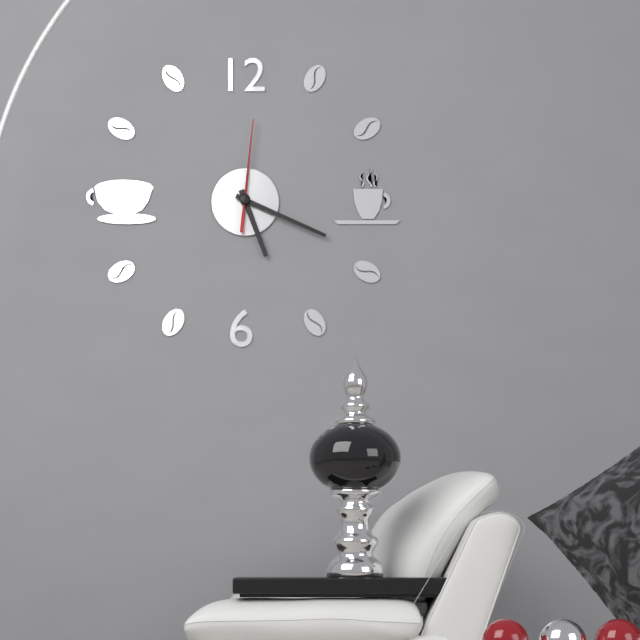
5h19m01s
